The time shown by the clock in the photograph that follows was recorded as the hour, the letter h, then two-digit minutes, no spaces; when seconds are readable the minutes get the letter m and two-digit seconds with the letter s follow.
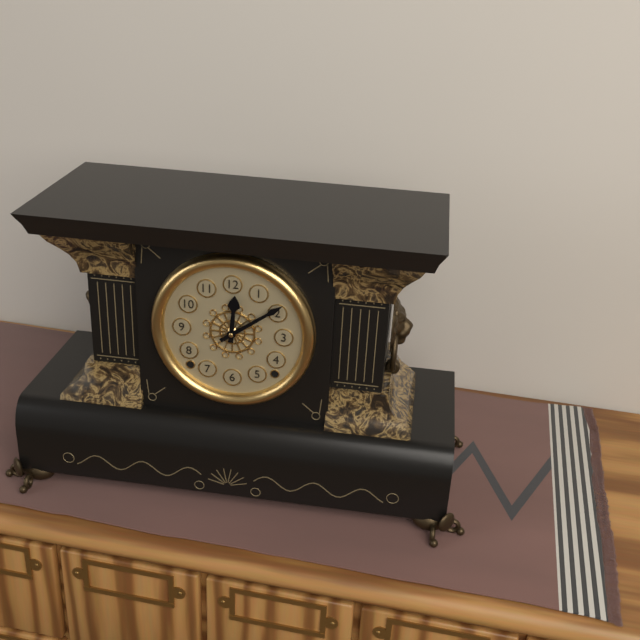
12h09
